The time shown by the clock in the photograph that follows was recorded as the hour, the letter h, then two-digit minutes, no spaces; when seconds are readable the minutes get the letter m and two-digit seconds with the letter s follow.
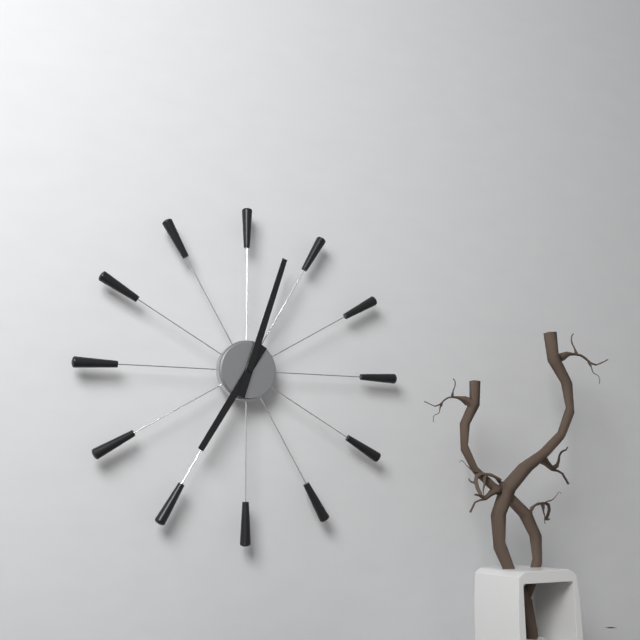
7h03
